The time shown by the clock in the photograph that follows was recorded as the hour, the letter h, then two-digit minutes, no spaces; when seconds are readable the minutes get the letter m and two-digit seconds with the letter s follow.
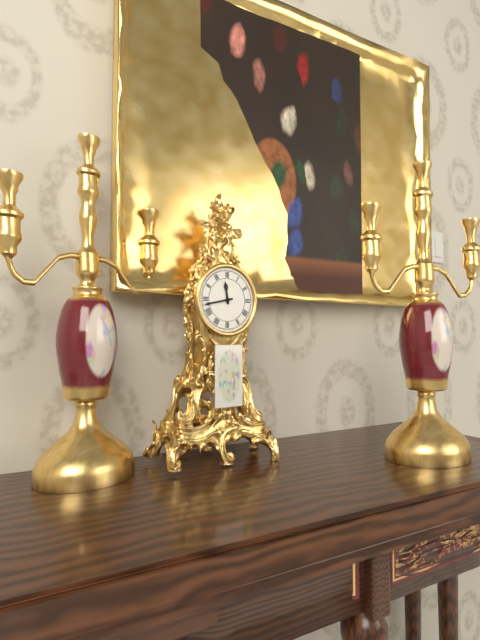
11h43
